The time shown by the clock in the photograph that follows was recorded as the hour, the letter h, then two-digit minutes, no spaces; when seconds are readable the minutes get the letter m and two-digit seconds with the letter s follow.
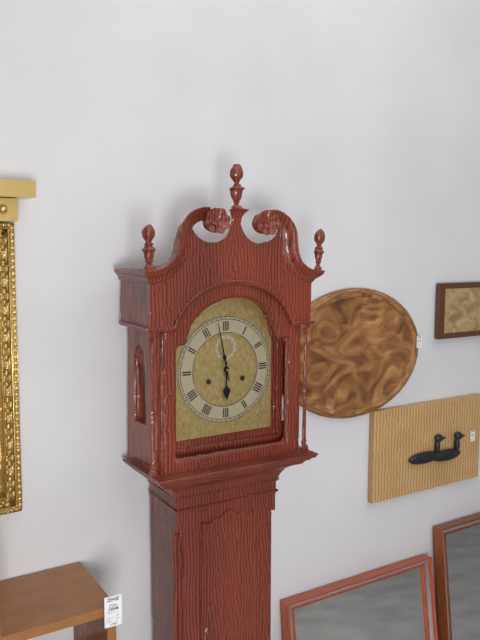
5h58
